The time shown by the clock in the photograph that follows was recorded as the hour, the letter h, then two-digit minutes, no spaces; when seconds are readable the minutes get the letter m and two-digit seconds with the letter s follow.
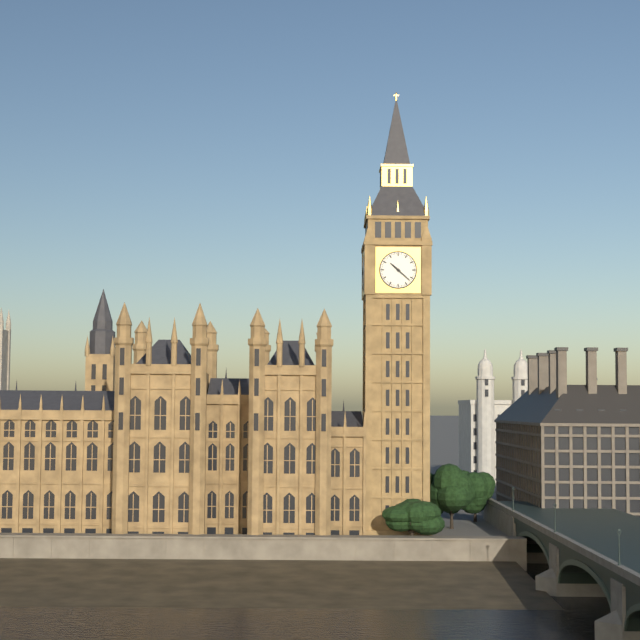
10h22
